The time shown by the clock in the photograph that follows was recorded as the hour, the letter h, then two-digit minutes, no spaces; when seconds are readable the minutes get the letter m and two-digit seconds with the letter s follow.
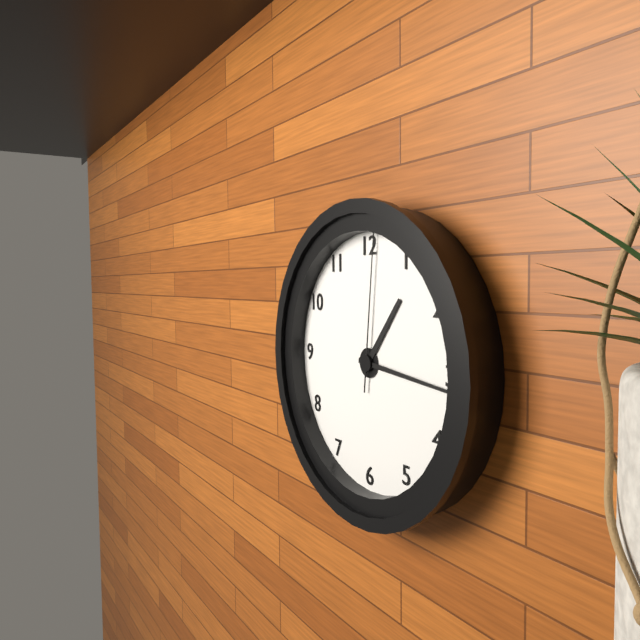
1h16m01s
